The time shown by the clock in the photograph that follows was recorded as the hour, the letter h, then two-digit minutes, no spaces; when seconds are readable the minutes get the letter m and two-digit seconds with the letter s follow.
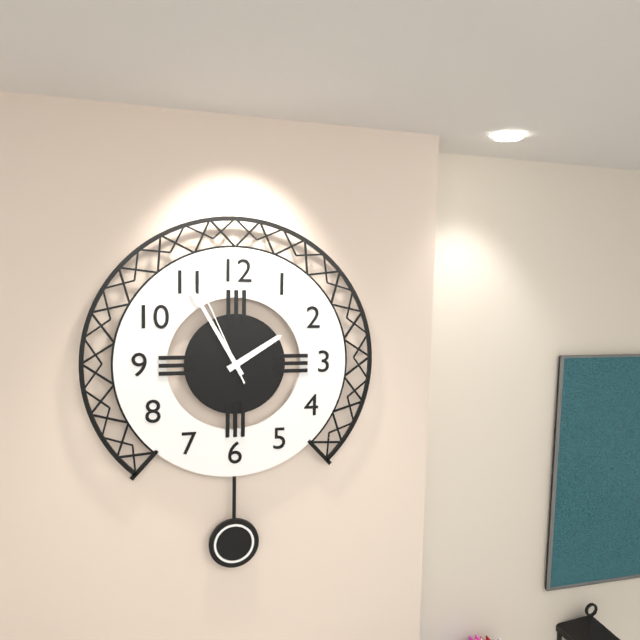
1h55m56s
